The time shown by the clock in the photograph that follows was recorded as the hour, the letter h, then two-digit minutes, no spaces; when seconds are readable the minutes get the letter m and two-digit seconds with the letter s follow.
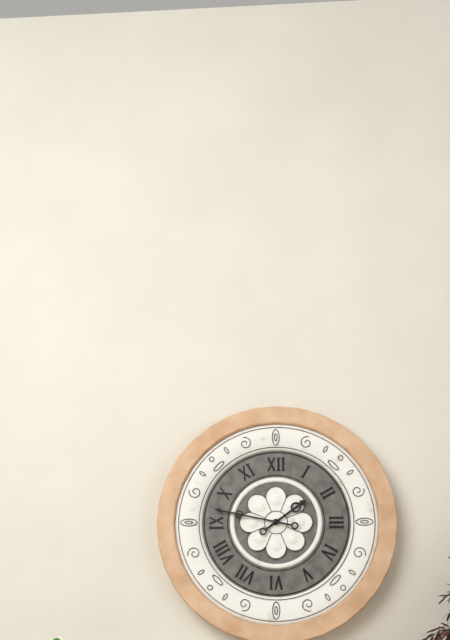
1h47
